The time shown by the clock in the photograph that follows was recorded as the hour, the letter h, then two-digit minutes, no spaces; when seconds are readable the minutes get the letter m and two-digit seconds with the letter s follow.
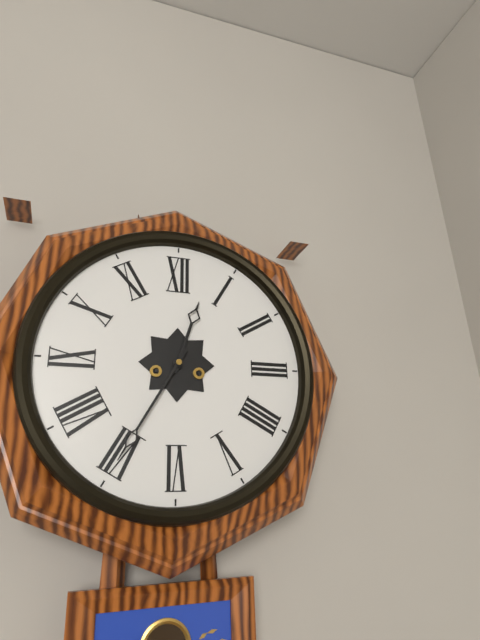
12h35
